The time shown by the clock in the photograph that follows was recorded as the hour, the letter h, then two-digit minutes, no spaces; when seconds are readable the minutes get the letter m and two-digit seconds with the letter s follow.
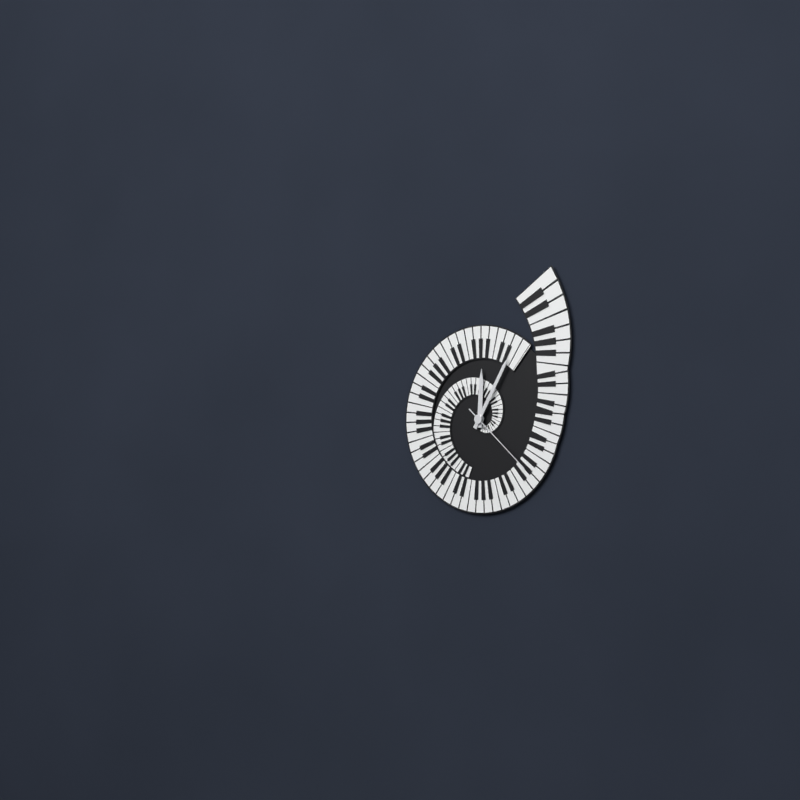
12h05m22s
